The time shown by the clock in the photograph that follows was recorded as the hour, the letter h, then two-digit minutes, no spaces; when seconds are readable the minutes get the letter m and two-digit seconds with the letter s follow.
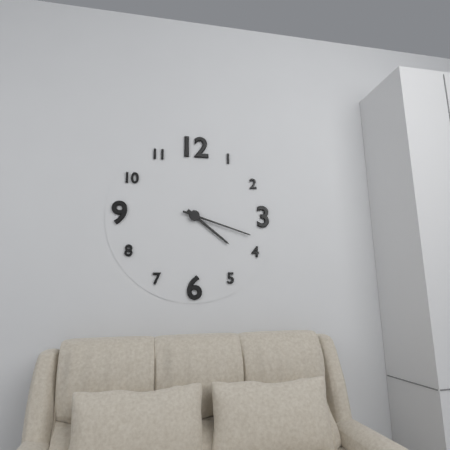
4h18
